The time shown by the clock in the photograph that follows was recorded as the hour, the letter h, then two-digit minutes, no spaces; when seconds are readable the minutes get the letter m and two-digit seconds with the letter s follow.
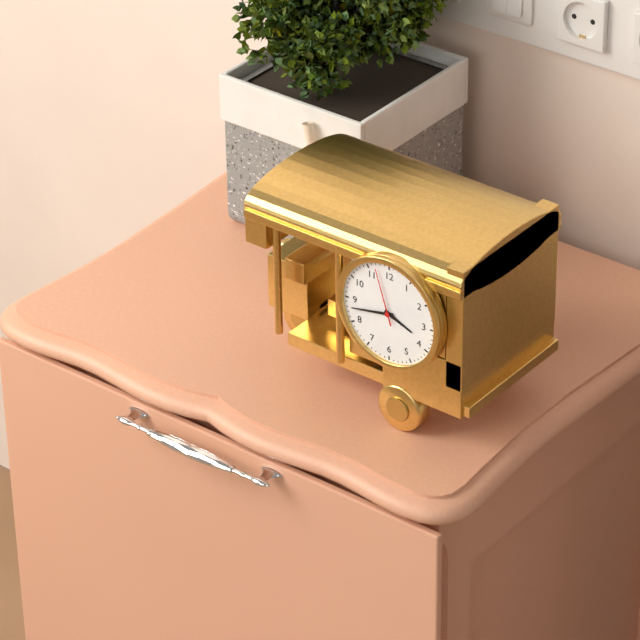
3h43m57s
